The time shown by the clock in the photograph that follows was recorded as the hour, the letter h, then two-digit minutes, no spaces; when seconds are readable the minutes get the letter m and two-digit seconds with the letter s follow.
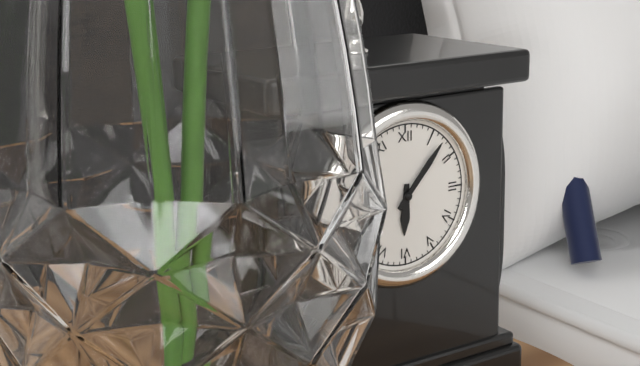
6h07
